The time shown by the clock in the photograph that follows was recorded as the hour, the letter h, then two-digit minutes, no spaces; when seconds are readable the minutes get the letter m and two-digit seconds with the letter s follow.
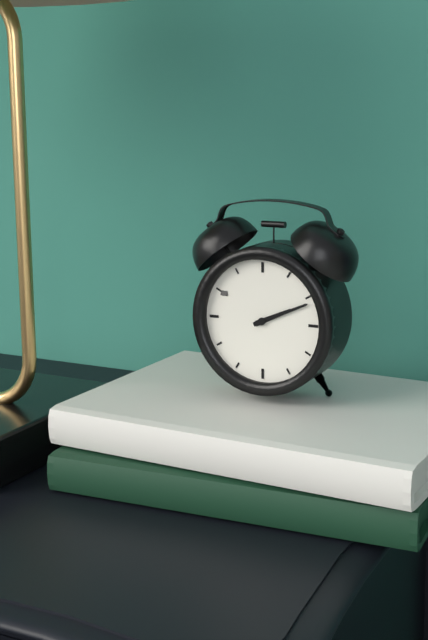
2h11
